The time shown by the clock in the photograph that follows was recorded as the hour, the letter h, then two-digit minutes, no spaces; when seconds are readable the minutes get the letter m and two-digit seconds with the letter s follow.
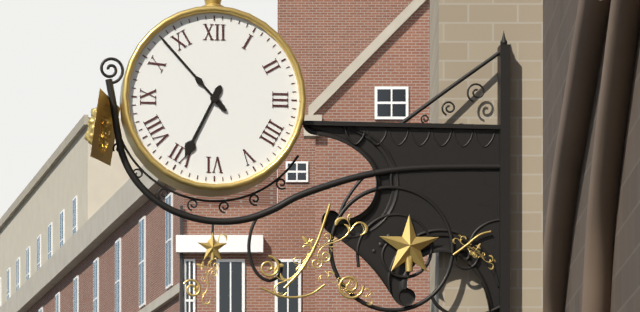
6h53
